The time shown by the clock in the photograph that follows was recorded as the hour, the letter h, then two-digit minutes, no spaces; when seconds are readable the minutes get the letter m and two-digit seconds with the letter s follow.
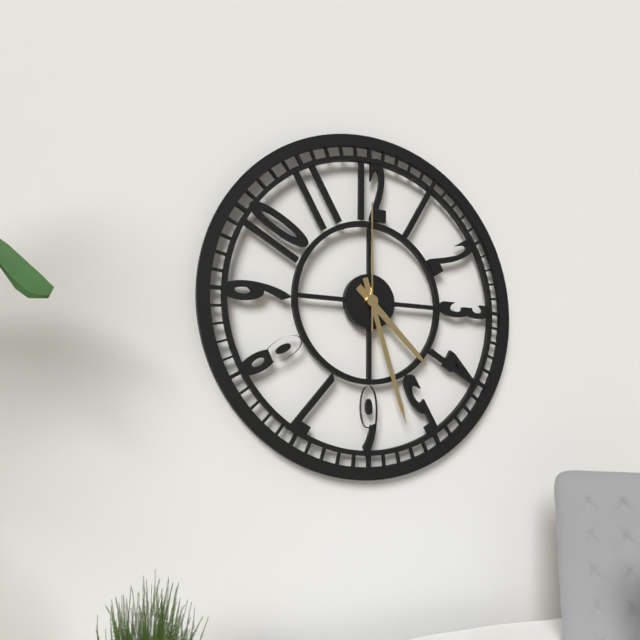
4h27m00s
